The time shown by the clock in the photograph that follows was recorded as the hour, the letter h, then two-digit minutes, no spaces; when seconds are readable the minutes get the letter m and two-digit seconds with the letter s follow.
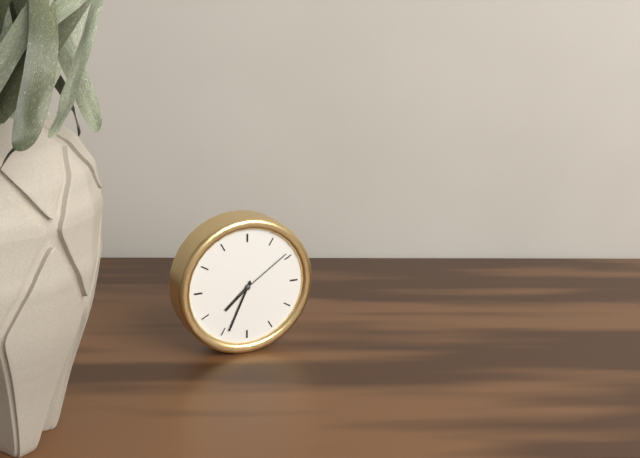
7h34m09s
